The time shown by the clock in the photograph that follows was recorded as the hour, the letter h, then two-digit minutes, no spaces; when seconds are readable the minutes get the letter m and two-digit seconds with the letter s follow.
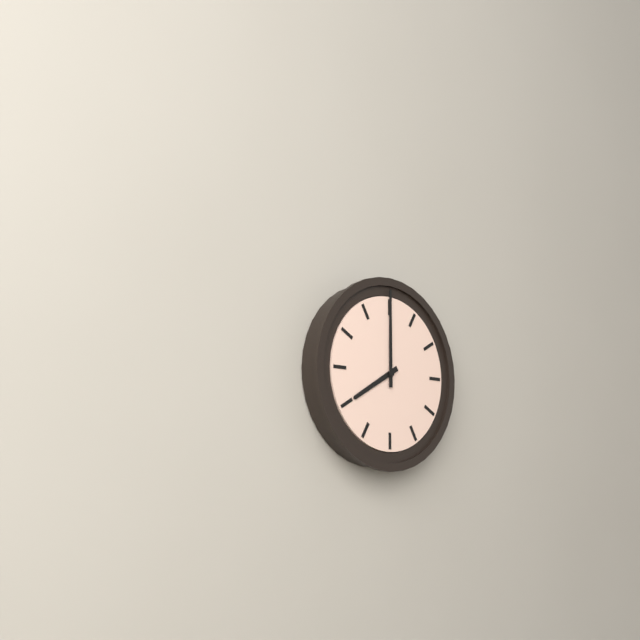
8h00
